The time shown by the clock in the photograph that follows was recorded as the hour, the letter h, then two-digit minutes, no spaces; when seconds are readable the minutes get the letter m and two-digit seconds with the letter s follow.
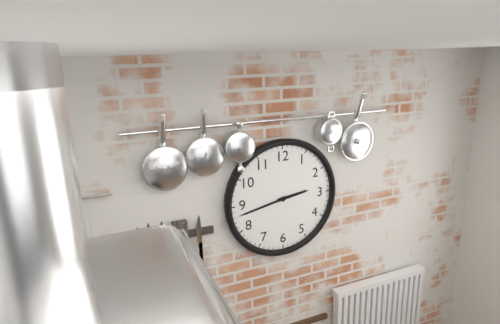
2h43
